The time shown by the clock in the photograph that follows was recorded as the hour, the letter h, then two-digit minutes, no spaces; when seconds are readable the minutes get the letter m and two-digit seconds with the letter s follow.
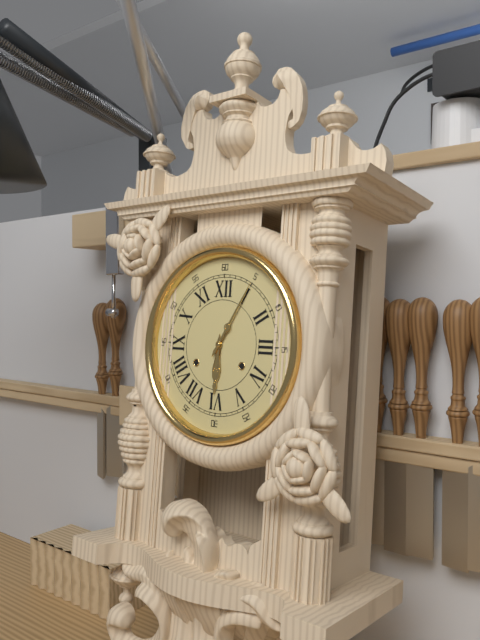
6h05
